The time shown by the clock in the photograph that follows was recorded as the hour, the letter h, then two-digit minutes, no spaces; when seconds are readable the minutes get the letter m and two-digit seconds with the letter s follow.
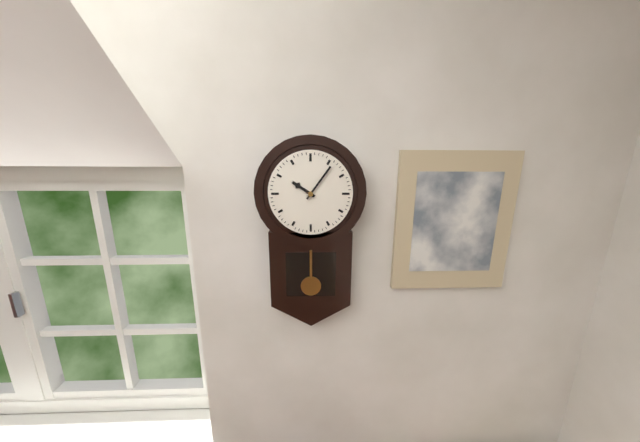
10h06
